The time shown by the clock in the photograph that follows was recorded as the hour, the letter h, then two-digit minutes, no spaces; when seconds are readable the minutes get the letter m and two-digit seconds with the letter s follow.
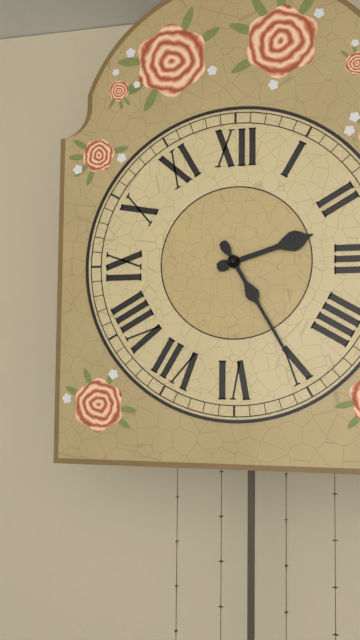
2h25
